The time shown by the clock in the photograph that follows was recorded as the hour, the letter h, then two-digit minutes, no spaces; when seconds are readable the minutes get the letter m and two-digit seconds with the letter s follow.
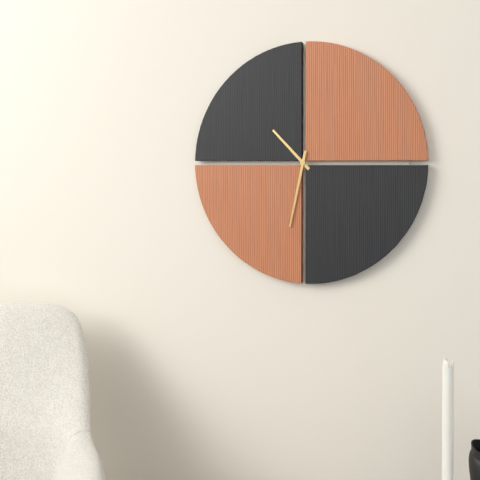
10h32
